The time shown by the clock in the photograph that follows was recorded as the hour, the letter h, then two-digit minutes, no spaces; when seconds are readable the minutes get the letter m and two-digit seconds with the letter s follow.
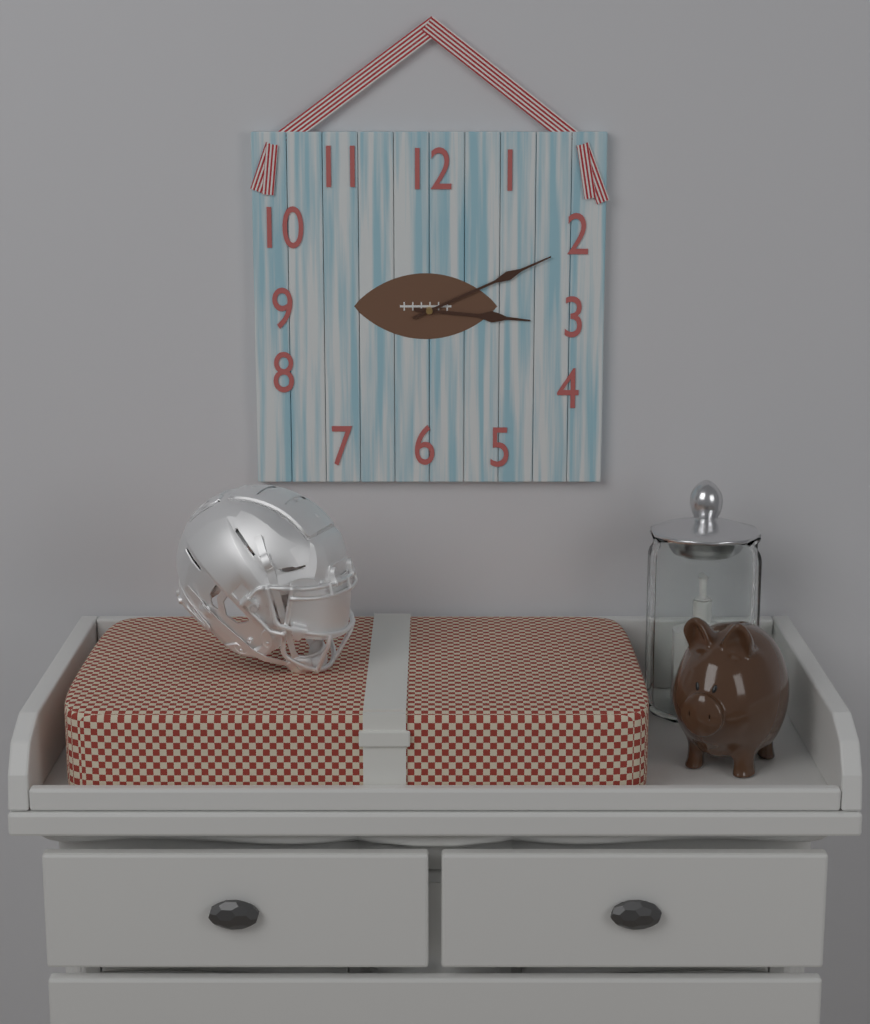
3h11
